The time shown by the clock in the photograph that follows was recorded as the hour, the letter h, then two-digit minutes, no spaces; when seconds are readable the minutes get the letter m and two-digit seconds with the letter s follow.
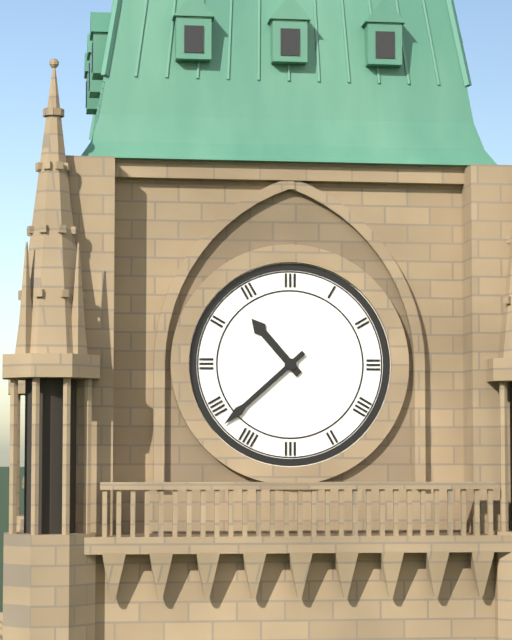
10h38
